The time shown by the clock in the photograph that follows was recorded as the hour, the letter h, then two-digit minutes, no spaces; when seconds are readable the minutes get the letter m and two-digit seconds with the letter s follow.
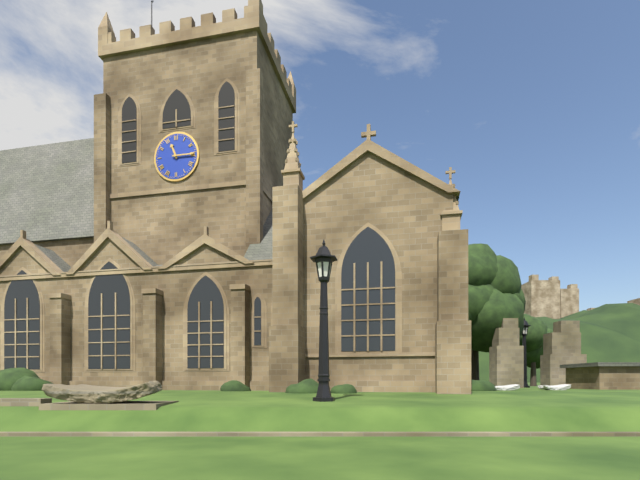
11h15
